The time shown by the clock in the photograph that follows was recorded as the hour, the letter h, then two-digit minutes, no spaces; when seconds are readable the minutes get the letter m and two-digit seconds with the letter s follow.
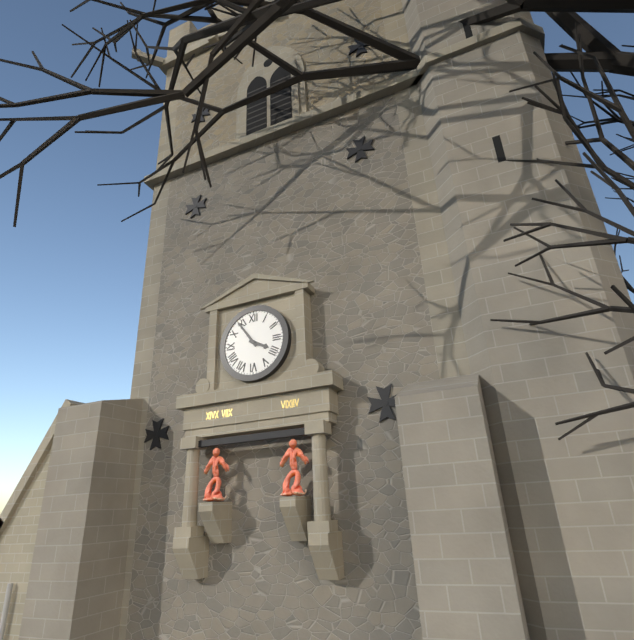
3h54
